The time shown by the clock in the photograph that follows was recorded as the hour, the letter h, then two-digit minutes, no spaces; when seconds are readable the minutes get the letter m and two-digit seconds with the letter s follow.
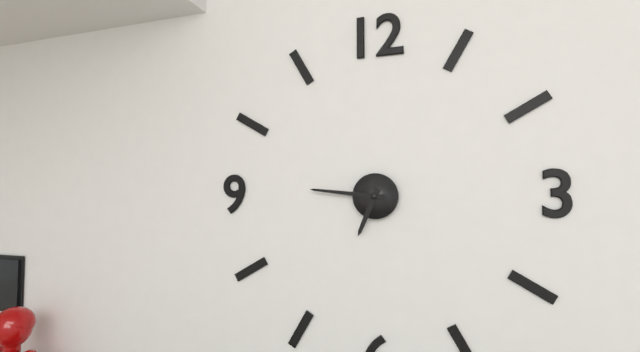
6h46
